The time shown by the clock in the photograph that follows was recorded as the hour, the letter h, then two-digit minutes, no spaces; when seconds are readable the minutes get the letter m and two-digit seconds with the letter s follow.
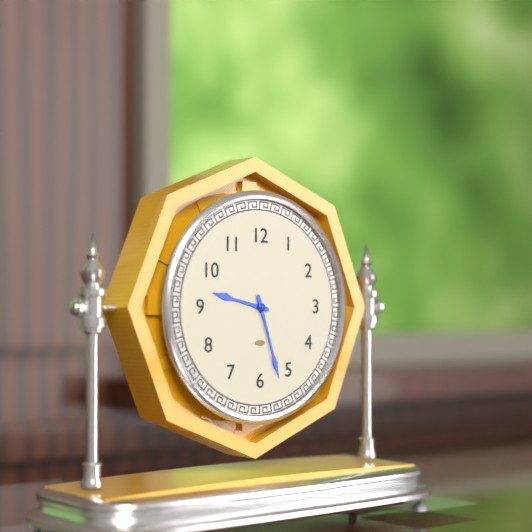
9h27
